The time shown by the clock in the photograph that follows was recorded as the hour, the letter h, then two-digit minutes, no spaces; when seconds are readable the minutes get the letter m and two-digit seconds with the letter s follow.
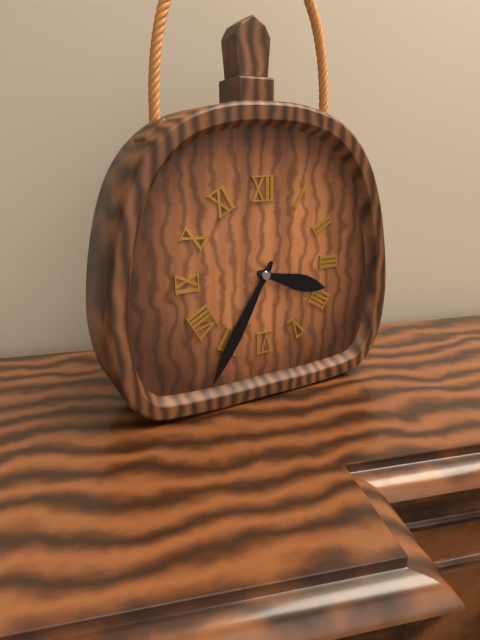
3h35
